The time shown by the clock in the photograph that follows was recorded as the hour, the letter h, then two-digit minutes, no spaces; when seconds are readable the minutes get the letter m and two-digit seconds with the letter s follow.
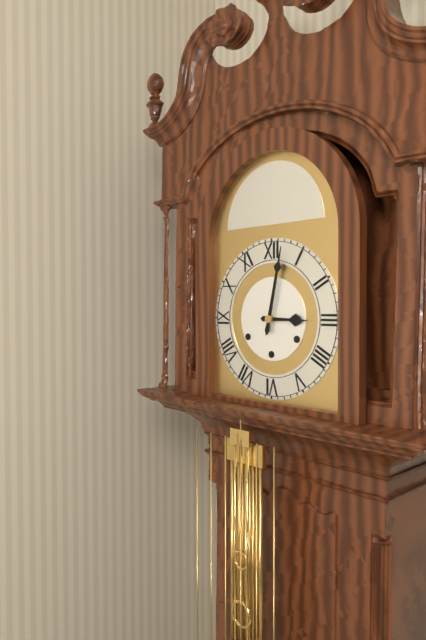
3h02
